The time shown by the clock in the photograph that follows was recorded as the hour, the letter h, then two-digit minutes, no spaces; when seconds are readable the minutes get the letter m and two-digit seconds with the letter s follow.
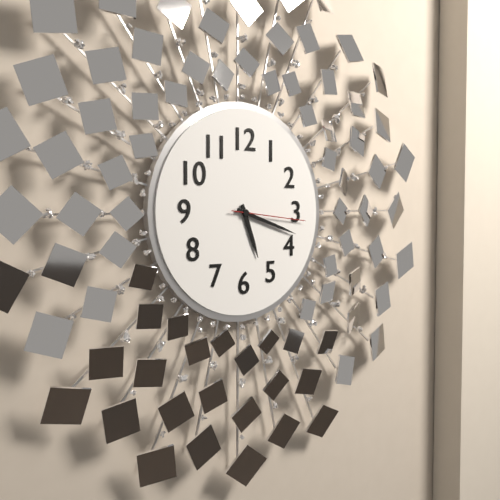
5h18m16s
